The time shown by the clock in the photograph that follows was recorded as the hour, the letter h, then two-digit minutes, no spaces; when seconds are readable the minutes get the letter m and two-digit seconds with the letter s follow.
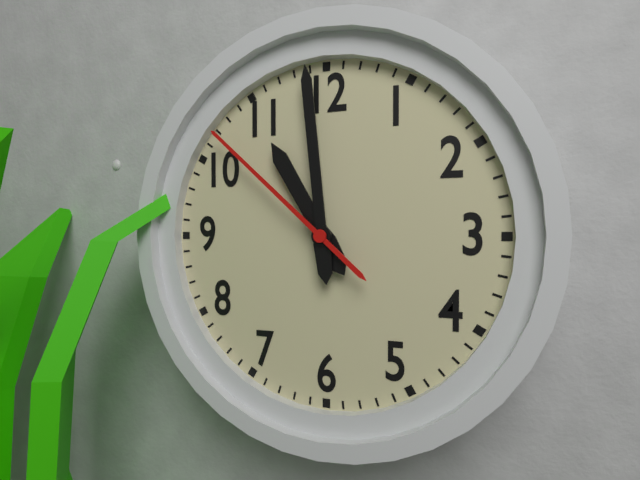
10h59m52s
